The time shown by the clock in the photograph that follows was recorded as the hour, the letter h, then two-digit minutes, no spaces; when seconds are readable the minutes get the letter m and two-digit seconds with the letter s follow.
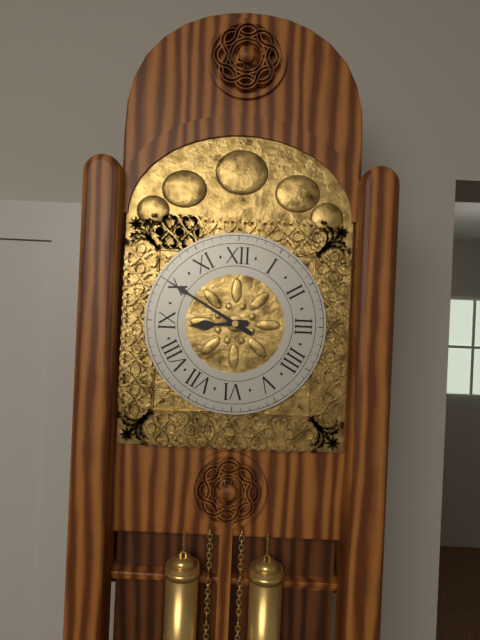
8h50
